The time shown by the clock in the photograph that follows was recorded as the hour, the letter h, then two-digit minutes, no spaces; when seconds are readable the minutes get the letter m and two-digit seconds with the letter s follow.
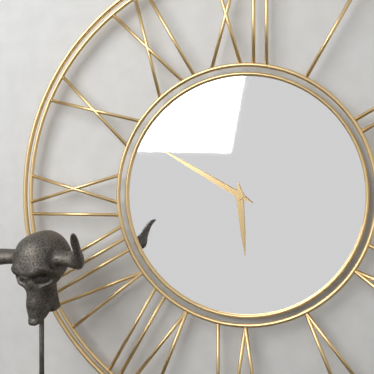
5h50
